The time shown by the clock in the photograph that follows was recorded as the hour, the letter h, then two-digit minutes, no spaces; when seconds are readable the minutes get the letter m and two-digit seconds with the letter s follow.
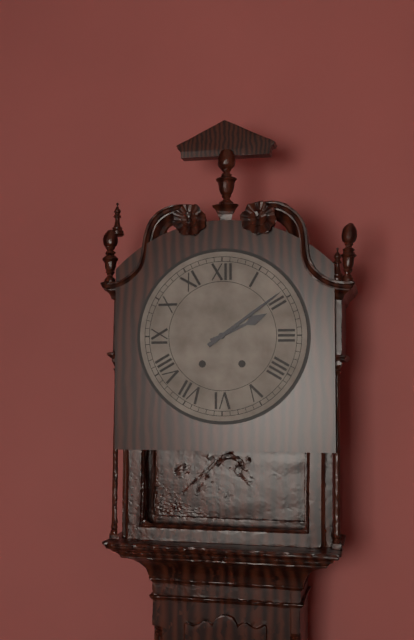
2h09
